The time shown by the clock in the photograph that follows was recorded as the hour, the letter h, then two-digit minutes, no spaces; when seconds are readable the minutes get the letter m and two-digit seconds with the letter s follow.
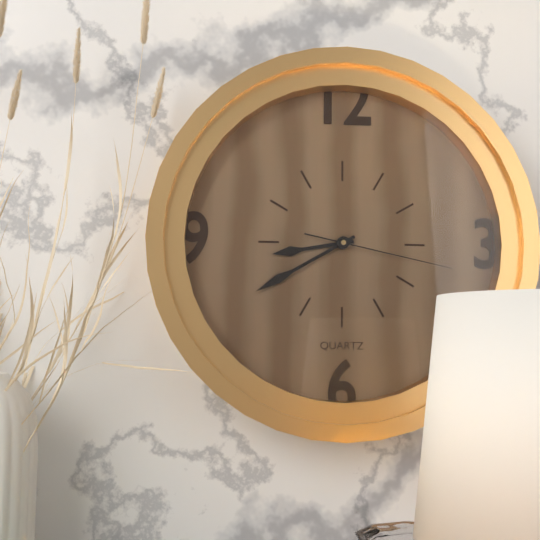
8h40m17s
